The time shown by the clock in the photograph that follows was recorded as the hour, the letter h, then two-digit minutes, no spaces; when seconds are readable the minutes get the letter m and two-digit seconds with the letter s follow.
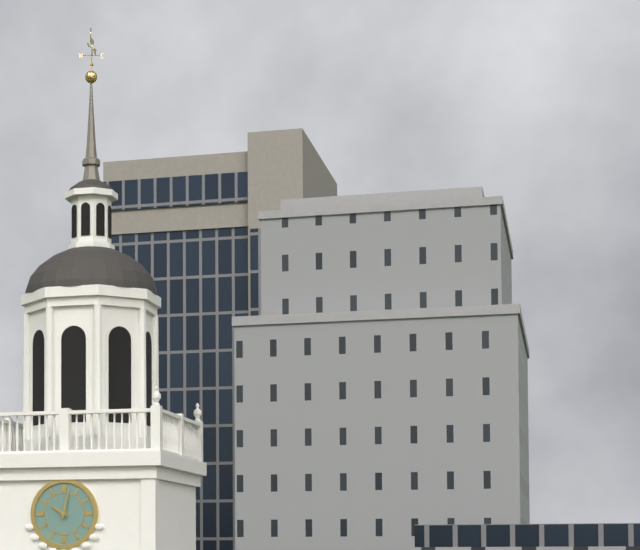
10h02
